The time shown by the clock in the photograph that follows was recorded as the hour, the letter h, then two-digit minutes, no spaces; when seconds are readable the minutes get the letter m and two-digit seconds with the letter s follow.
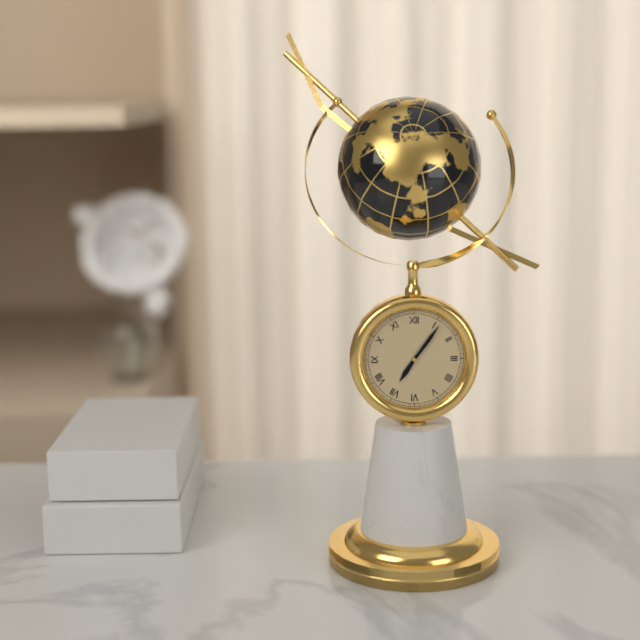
7h06
